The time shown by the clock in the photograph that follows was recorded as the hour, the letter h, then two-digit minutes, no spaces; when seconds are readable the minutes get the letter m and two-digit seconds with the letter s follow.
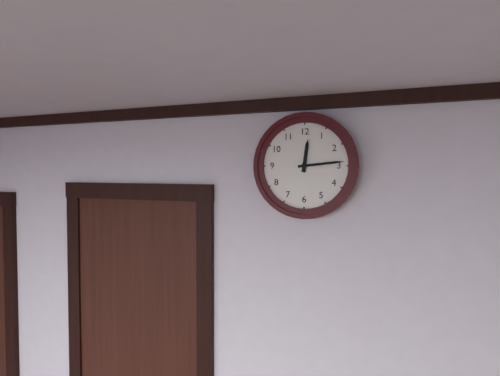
12h14
